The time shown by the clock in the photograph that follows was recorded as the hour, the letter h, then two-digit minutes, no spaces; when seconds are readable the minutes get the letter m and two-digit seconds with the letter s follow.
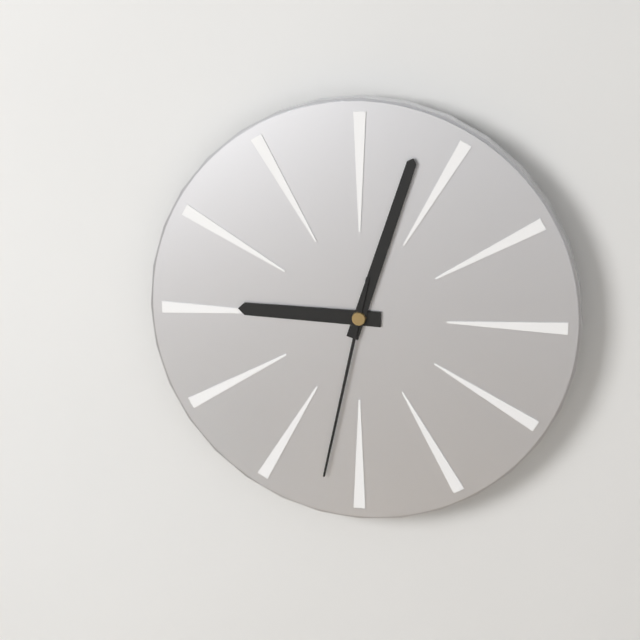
9h03m32s
